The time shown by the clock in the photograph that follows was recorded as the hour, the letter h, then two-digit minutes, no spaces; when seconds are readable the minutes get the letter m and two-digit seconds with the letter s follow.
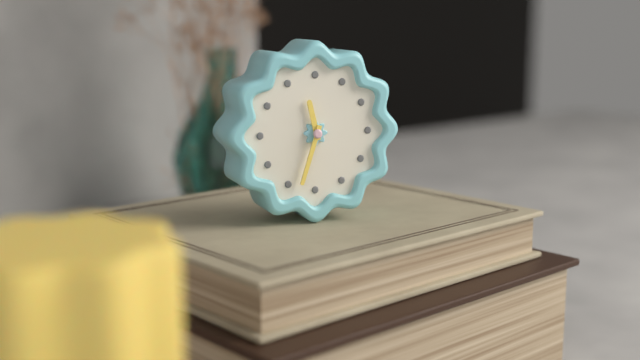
11h33
